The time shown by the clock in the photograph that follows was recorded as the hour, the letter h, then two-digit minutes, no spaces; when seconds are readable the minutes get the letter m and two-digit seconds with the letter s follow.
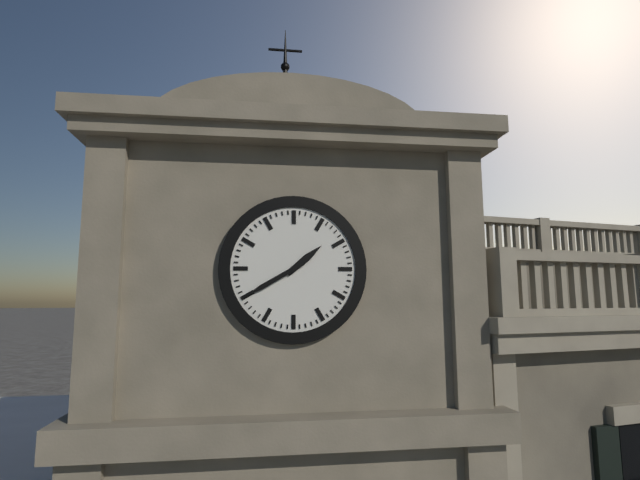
1h40
